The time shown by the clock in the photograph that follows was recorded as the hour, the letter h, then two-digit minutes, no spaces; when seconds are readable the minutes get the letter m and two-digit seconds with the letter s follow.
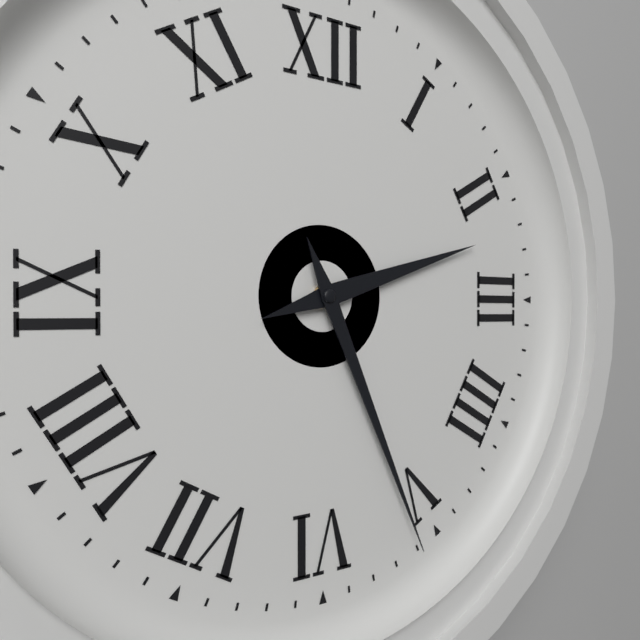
2h26
